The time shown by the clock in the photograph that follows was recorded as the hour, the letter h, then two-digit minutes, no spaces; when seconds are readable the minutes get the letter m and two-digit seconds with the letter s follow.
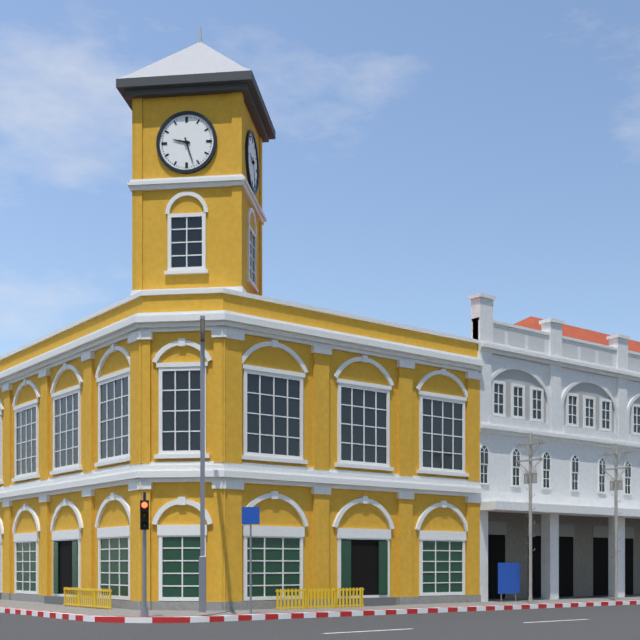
9h27
